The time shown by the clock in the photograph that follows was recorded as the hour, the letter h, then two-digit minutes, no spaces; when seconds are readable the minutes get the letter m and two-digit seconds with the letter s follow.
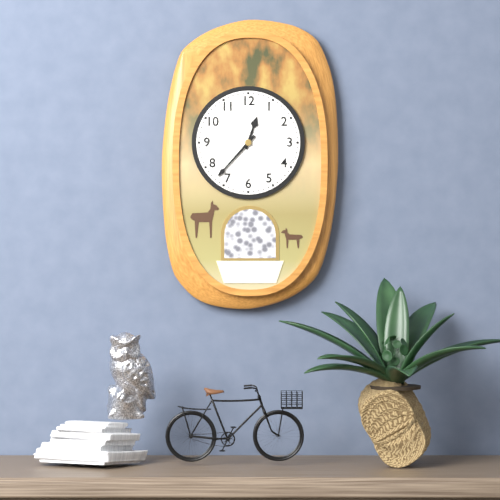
12h37
